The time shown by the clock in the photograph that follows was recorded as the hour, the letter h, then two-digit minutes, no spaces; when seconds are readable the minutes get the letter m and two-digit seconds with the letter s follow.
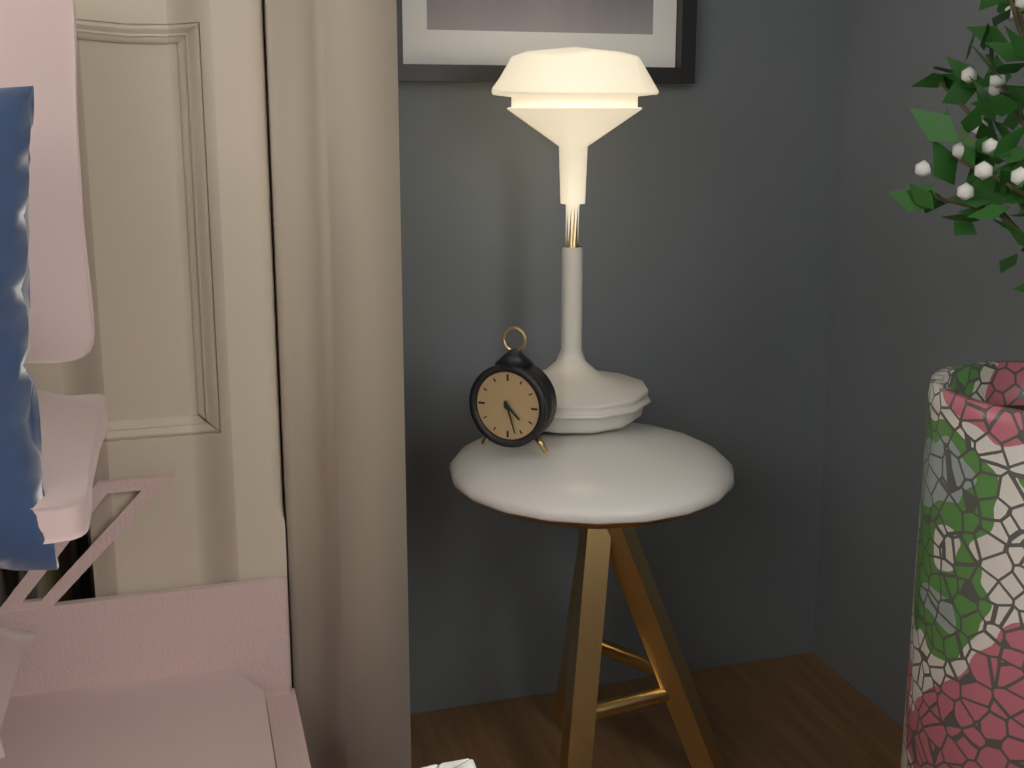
4h27
